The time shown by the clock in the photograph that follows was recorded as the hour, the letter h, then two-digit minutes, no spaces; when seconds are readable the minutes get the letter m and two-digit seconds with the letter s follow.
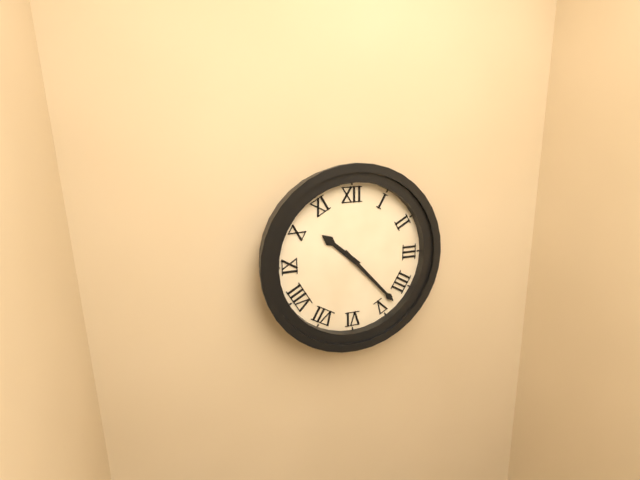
10h23
